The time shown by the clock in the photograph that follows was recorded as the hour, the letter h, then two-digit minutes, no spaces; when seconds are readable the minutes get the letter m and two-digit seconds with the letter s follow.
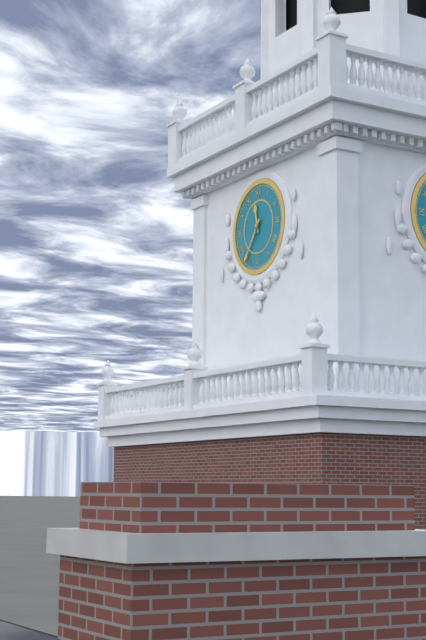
11h36
